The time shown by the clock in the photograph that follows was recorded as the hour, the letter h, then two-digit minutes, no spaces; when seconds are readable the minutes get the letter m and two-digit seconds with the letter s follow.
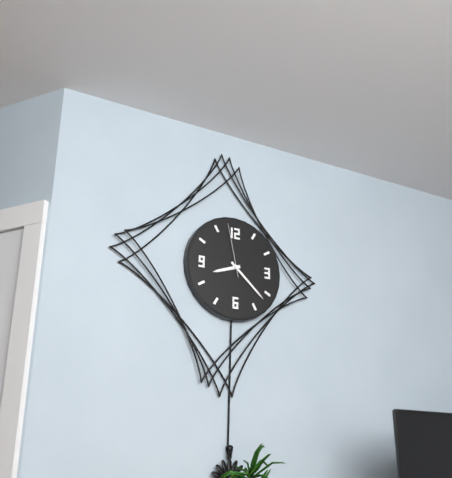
8h22m58s
